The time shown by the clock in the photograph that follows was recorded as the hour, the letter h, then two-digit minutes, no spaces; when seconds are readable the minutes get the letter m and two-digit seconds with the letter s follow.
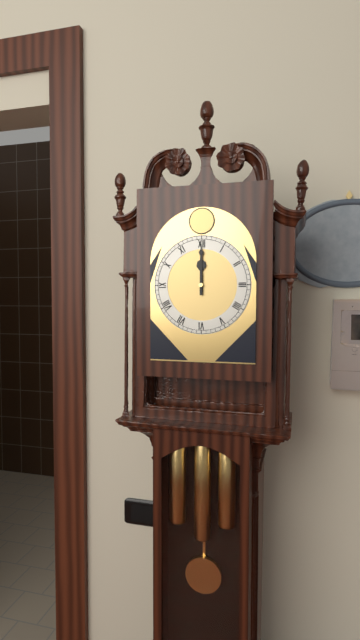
12h00
